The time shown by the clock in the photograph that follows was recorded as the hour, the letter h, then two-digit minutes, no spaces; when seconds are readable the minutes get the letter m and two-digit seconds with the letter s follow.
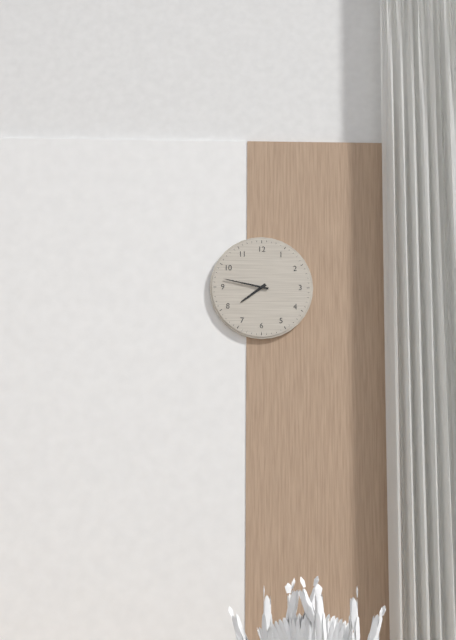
7h47
